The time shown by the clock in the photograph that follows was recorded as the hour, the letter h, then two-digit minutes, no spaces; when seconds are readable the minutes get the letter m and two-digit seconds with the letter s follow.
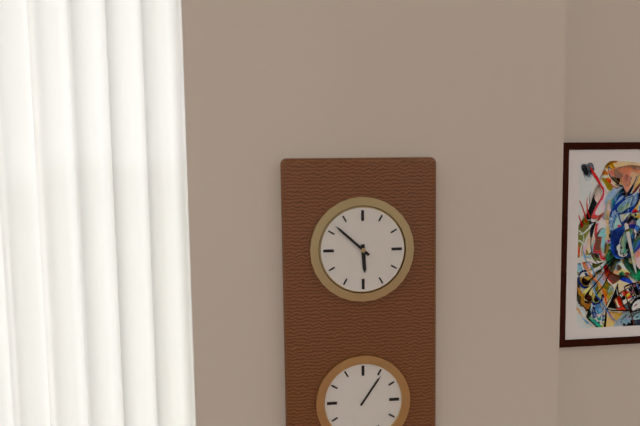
5h52
